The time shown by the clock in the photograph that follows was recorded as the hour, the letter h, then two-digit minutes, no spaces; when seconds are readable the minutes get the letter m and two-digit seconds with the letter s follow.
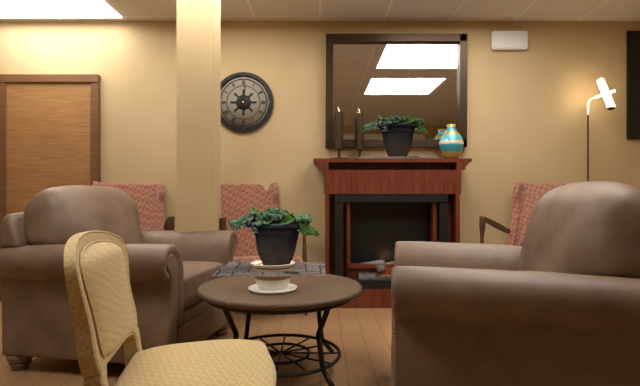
12h01
